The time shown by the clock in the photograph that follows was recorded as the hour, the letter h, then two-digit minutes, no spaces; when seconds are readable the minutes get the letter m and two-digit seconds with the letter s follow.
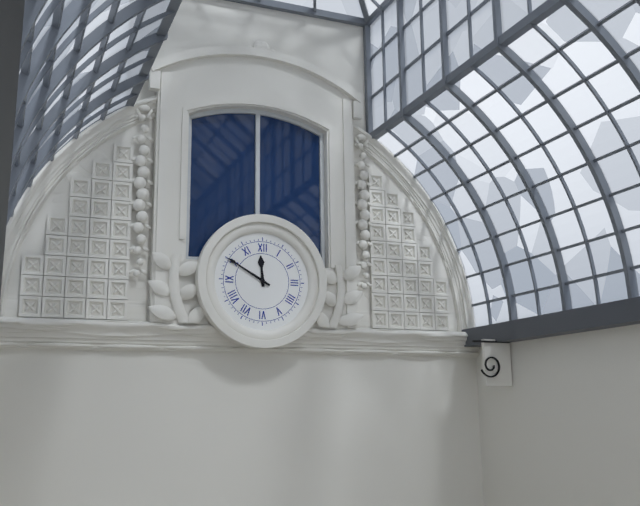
11h50
